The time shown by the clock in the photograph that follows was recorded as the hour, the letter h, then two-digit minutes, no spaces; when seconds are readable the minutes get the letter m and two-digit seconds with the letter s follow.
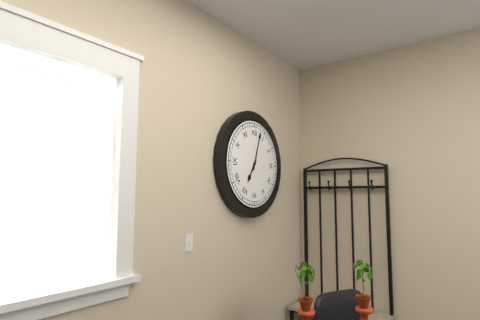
7h03
